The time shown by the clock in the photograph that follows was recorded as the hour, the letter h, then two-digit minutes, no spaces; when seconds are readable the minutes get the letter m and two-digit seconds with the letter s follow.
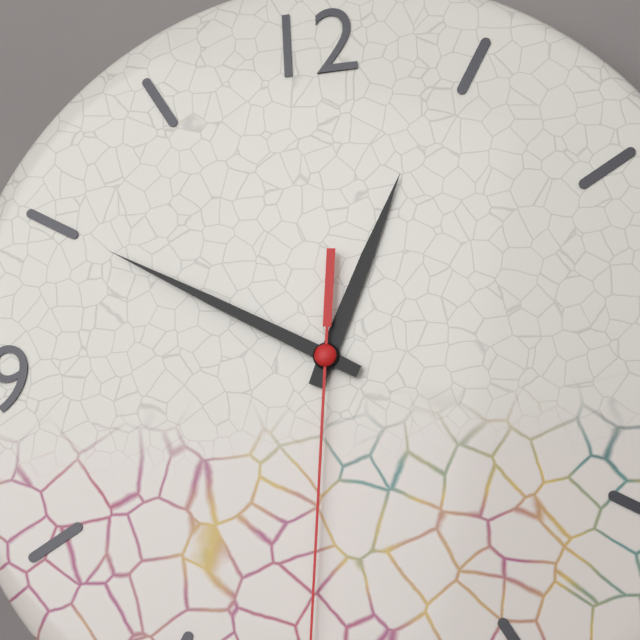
12h50
